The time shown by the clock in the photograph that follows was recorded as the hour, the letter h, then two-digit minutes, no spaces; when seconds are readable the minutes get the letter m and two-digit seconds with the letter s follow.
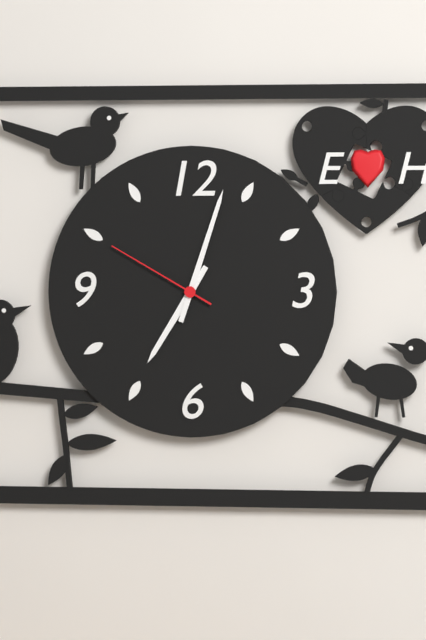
7h03m50s
